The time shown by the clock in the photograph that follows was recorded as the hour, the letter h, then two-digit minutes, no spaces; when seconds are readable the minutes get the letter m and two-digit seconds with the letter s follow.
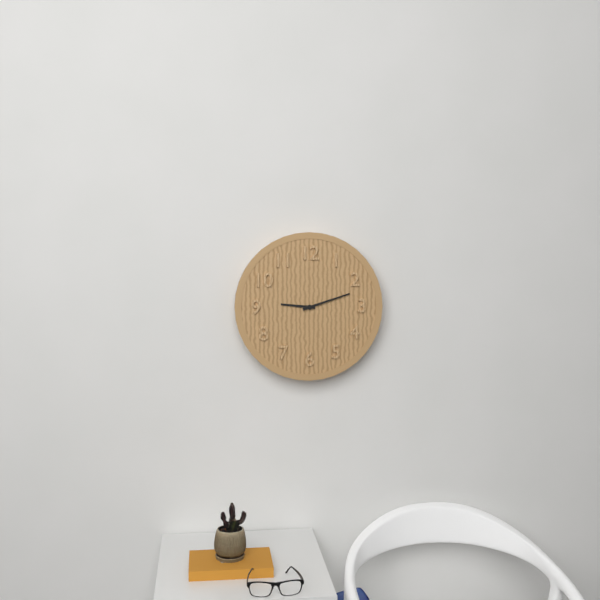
9h12
